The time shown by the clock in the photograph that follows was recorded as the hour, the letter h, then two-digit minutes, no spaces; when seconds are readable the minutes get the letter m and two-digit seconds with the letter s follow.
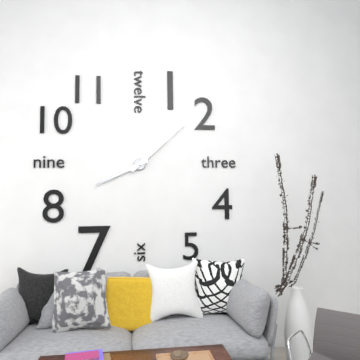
8h08
